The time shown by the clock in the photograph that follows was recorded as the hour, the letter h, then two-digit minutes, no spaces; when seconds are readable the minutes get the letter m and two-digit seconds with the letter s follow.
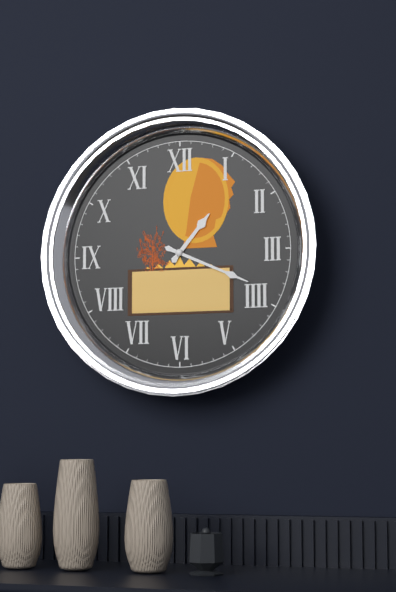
1h19
